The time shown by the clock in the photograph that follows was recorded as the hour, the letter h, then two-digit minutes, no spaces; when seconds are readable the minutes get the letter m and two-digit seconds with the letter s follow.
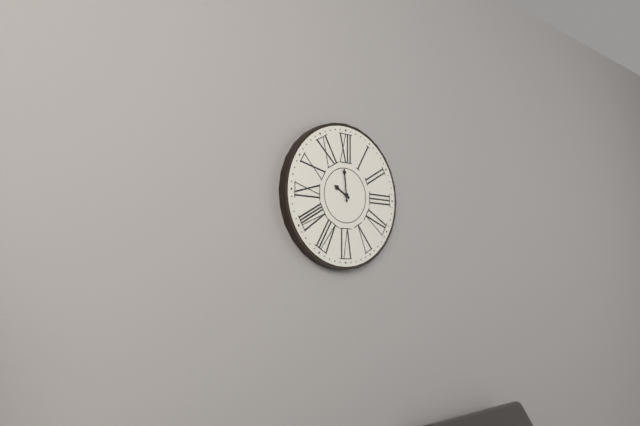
9h59
